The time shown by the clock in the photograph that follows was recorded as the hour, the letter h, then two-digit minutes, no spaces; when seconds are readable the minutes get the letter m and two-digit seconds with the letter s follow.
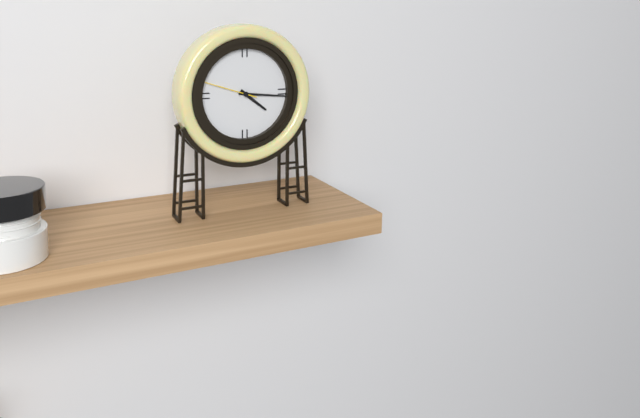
4h16m48s
